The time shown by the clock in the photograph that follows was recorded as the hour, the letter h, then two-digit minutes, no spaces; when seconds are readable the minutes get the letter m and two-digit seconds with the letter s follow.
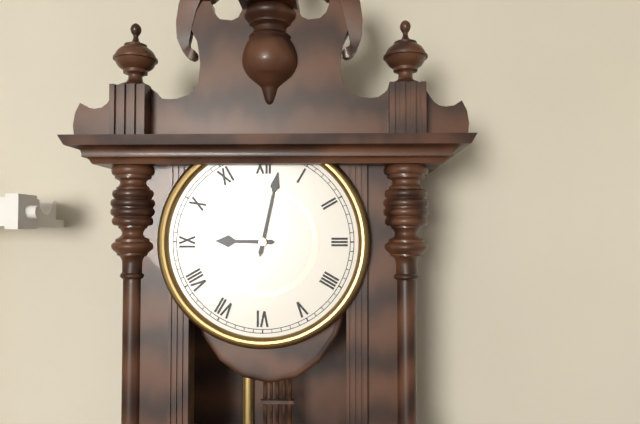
9h02
